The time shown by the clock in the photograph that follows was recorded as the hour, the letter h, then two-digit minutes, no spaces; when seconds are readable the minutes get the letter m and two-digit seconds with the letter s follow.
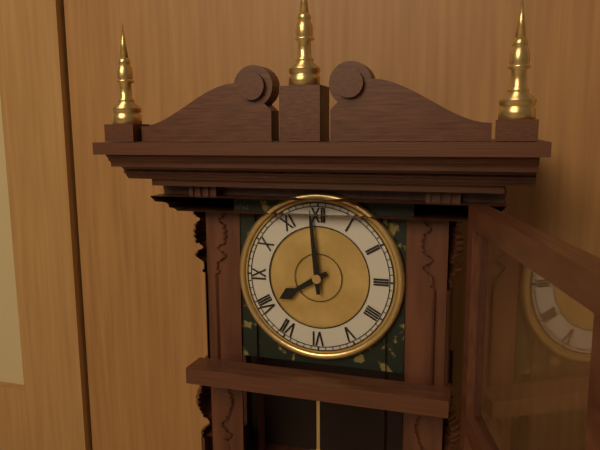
7h59
